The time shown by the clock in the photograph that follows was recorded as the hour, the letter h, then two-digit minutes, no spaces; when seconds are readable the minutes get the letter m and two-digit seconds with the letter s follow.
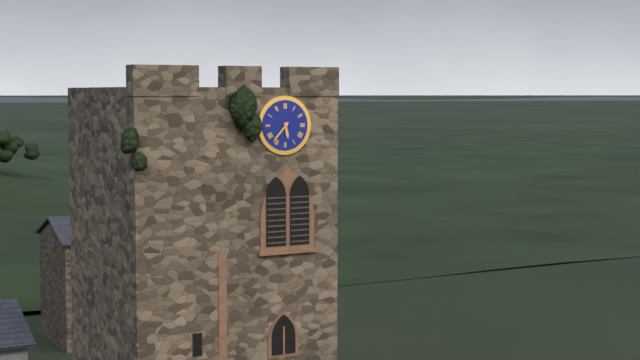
5h37
